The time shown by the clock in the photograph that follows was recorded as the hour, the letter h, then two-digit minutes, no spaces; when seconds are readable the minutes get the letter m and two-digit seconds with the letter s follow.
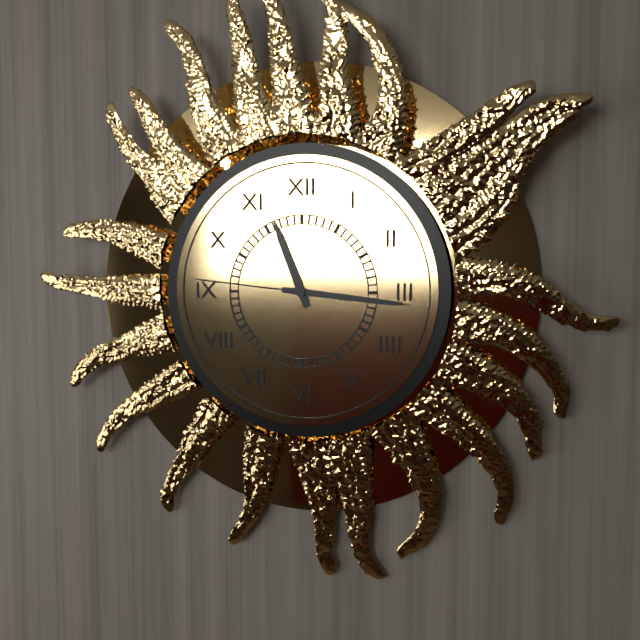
11h16m46s
